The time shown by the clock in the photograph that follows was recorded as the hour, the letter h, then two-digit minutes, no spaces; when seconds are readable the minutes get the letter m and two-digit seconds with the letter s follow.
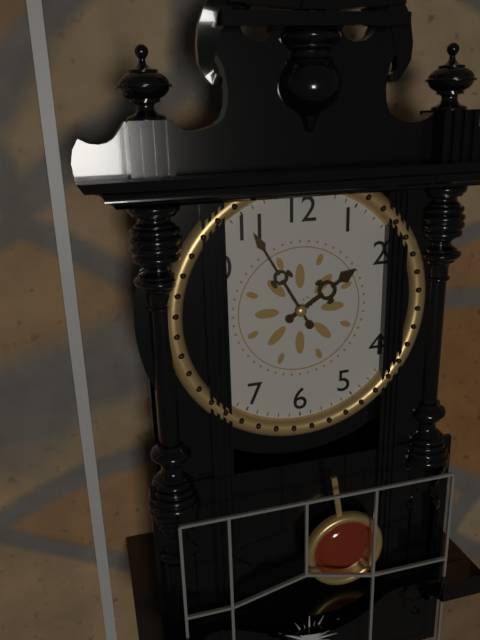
1h55
